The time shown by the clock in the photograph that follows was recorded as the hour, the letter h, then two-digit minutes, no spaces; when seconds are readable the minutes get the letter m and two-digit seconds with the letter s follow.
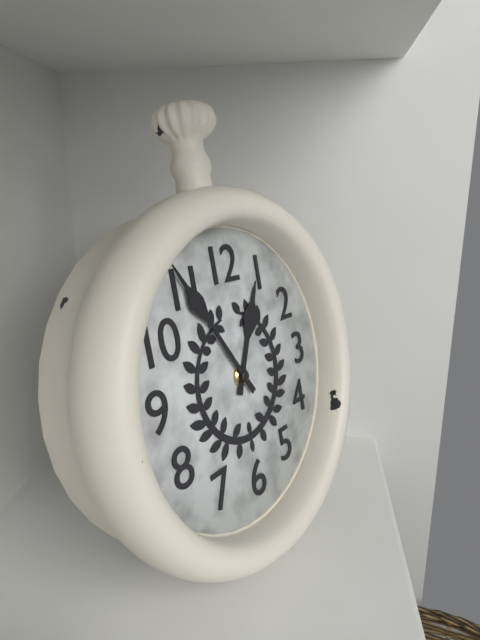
12h55
